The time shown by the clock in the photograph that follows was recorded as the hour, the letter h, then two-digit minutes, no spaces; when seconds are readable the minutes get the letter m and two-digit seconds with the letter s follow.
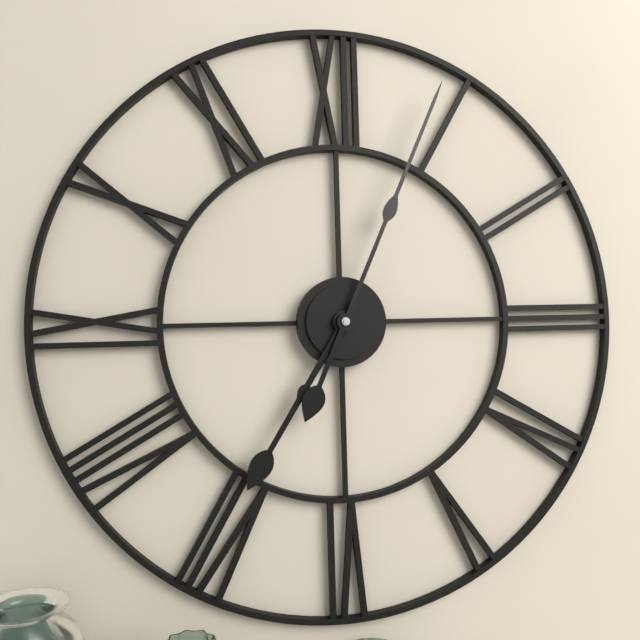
7h04
